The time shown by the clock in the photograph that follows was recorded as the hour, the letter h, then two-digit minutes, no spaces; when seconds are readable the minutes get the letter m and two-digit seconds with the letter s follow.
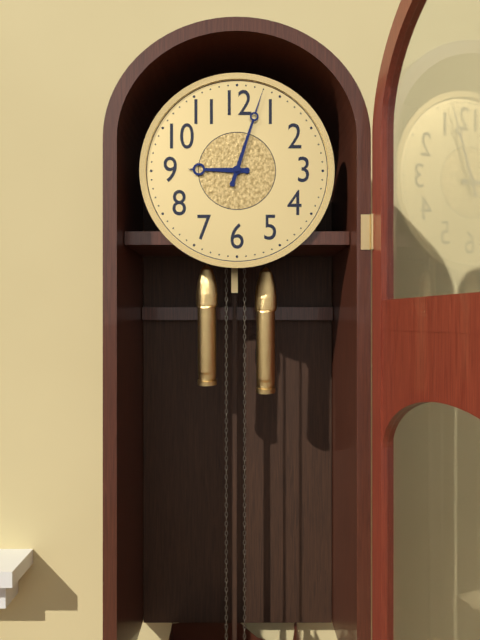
9h03
